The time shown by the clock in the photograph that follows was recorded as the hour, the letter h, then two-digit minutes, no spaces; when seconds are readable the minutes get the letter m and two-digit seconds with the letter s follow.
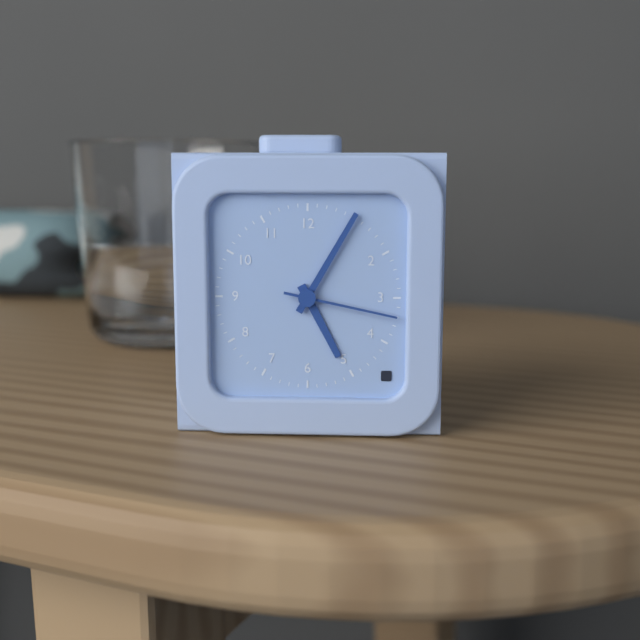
5h05m17s
